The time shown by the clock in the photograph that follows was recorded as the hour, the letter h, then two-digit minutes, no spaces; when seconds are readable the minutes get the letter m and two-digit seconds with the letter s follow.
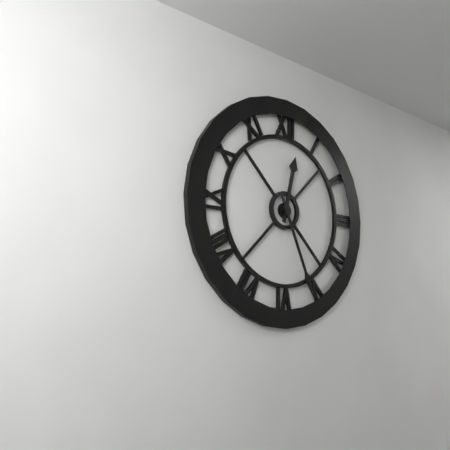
12h26
